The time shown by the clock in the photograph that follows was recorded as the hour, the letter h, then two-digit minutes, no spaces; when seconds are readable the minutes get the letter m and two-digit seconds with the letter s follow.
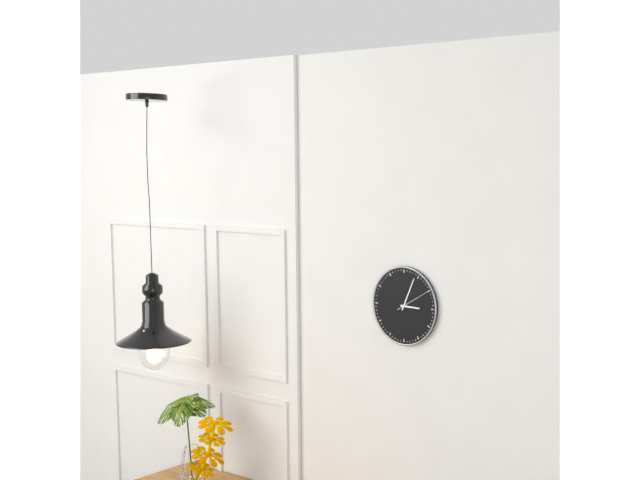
3h04
